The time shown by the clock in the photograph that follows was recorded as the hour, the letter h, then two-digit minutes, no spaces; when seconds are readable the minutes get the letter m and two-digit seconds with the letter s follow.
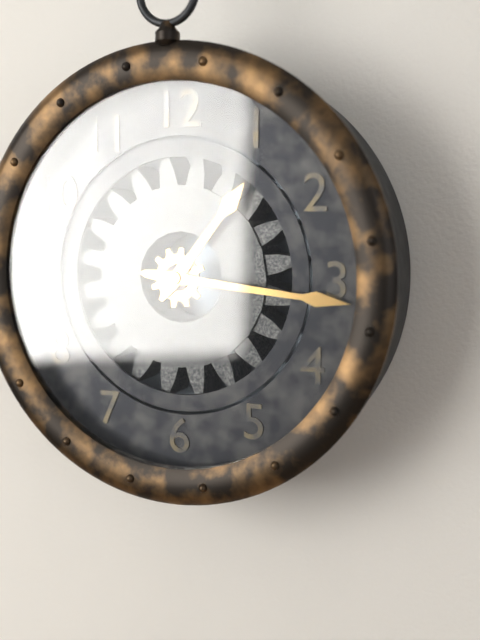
1h16
